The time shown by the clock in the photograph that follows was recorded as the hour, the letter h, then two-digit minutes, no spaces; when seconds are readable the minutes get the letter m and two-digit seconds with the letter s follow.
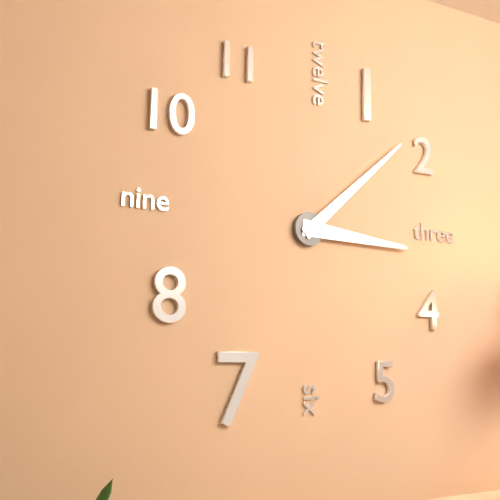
3h08
